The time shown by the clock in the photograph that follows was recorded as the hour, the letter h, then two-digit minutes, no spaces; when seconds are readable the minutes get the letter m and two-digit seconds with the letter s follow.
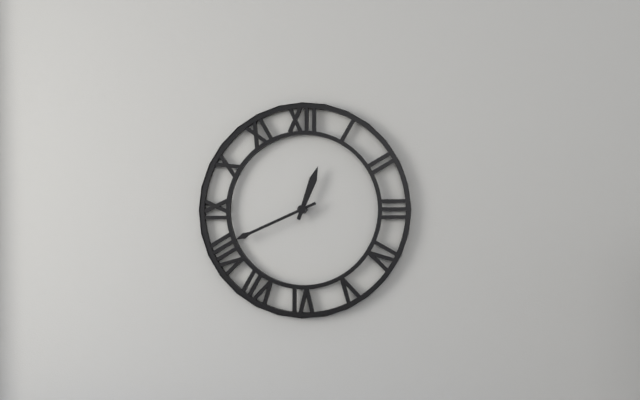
12h41
